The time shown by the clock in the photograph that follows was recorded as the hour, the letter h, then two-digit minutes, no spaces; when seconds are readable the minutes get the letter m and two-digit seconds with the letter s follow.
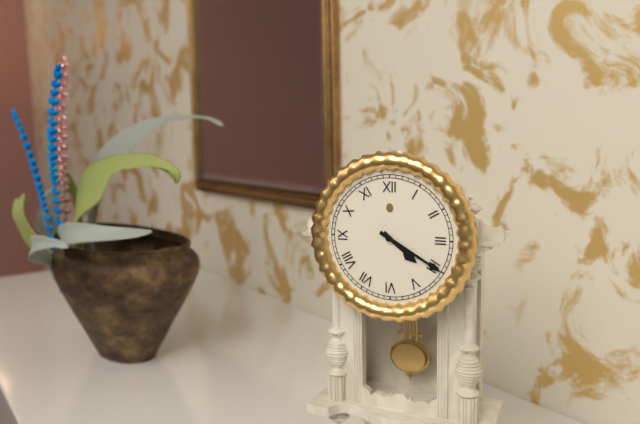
4h20
